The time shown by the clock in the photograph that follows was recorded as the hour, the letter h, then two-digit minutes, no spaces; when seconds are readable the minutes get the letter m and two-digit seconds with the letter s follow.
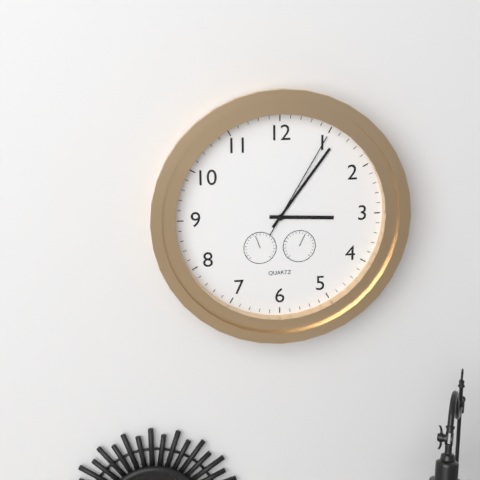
3h06m05s
